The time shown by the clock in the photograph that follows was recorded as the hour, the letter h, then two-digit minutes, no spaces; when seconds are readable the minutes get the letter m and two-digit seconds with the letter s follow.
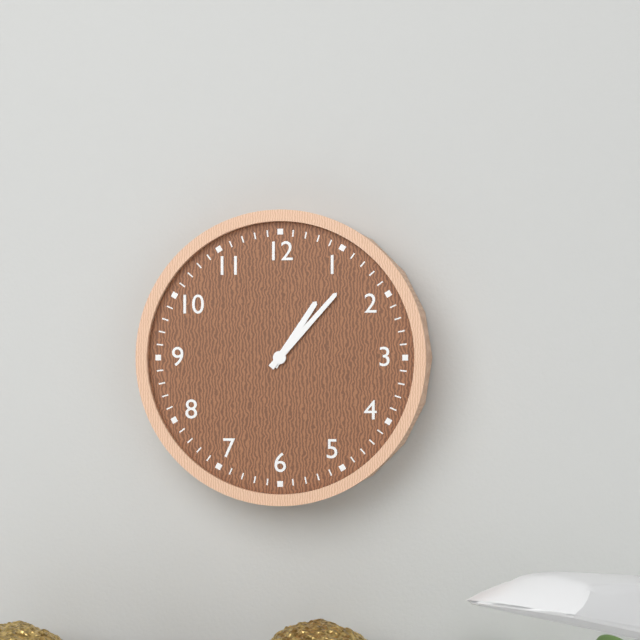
1h07
